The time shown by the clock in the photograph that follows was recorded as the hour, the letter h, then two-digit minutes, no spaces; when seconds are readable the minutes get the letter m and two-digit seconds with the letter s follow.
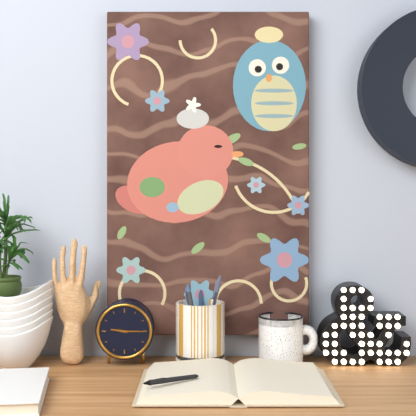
9h15
